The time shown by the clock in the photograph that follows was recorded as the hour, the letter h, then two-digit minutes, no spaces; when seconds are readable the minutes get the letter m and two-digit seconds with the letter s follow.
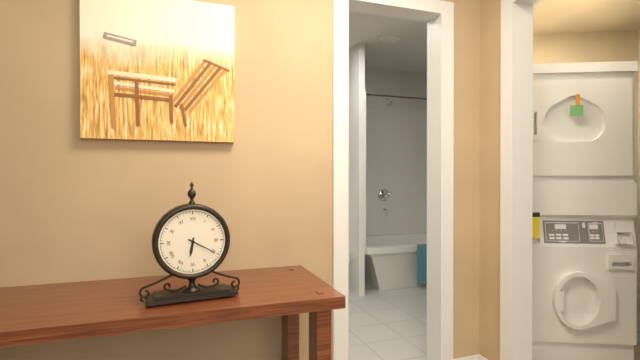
6h20
